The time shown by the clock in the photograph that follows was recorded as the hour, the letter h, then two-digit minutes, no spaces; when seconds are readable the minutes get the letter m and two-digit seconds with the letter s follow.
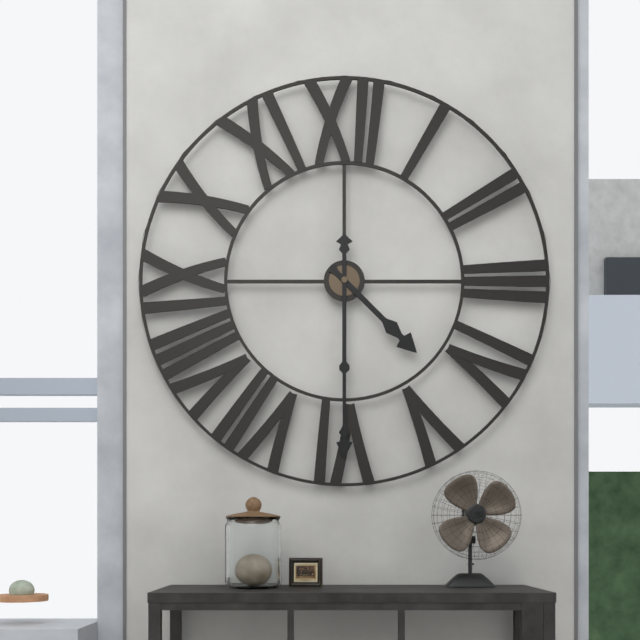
4h30
